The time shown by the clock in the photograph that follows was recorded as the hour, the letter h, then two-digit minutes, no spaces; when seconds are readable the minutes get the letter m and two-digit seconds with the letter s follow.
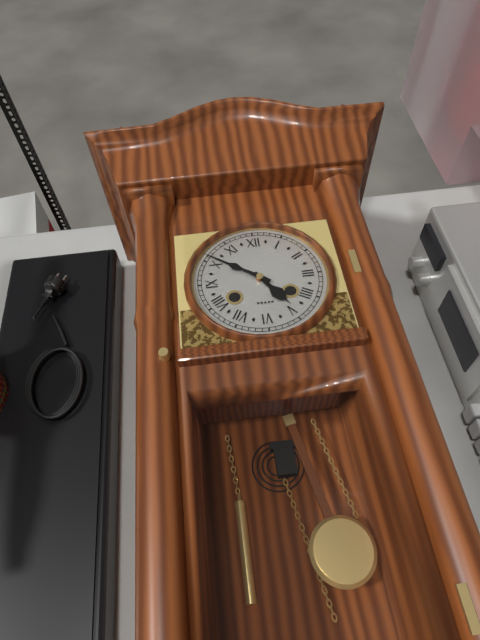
4h51
